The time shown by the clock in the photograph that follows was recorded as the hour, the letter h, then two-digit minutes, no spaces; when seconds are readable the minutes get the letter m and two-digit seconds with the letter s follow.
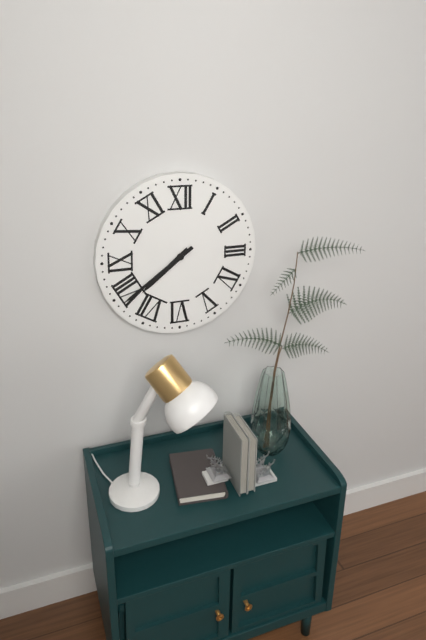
7h39
